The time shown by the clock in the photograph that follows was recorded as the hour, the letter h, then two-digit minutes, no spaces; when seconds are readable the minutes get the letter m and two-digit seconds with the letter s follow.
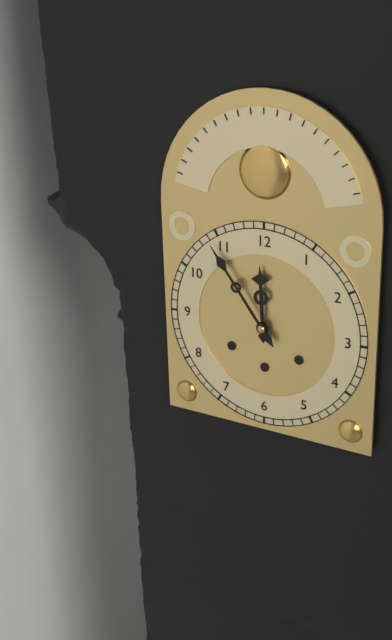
11h54
